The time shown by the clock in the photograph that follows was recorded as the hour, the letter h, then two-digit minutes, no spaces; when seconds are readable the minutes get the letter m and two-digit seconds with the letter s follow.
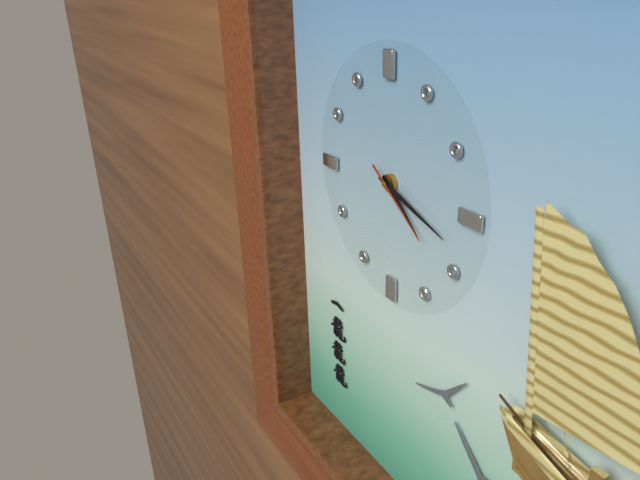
4h18m21s
